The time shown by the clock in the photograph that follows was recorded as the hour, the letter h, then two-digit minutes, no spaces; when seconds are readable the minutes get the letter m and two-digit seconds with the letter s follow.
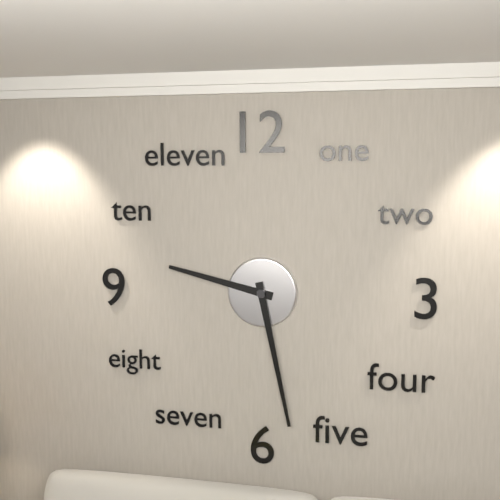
9h28
